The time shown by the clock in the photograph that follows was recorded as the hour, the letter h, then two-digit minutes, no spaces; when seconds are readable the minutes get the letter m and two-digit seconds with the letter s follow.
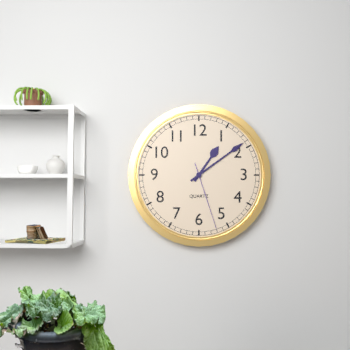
1h09m27s
